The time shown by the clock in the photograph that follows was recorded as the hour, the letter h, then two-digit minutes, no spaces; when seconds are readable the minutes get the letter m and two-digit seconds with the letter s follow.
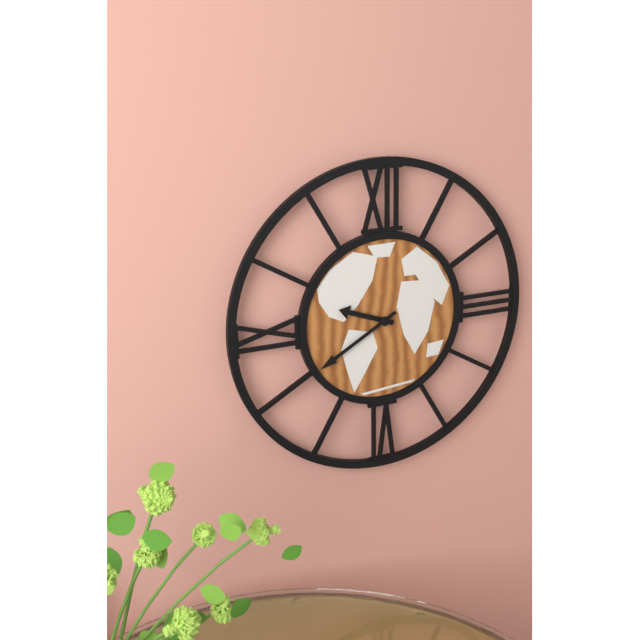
9h40
